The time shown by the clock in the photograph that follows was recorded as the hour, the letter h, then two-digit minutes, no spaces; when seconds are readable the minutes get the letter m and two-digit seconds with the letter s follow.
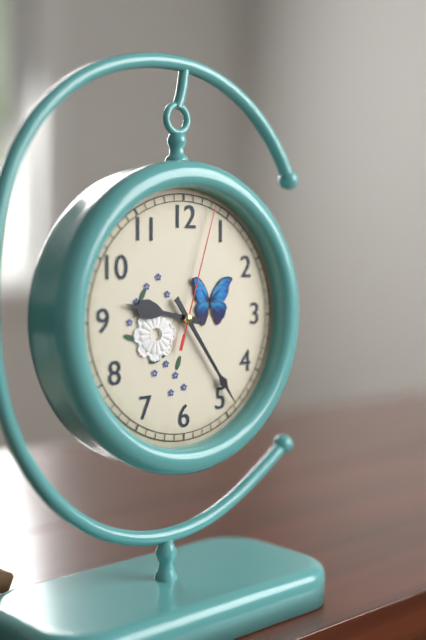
9h24m03s
